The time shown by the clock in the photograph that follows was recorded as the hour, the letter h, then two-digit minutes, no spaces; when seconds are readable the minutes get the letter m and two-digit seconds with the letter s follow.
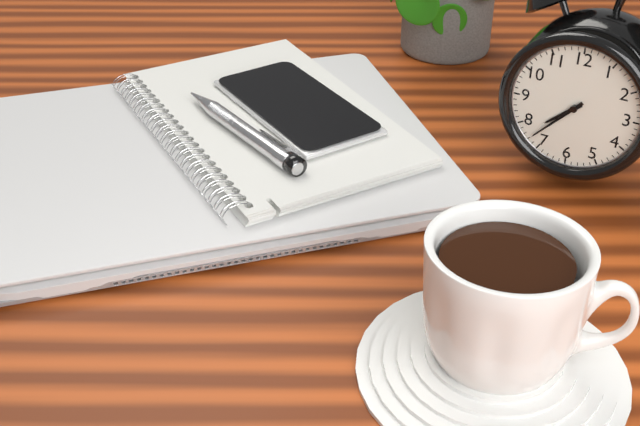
7h37
